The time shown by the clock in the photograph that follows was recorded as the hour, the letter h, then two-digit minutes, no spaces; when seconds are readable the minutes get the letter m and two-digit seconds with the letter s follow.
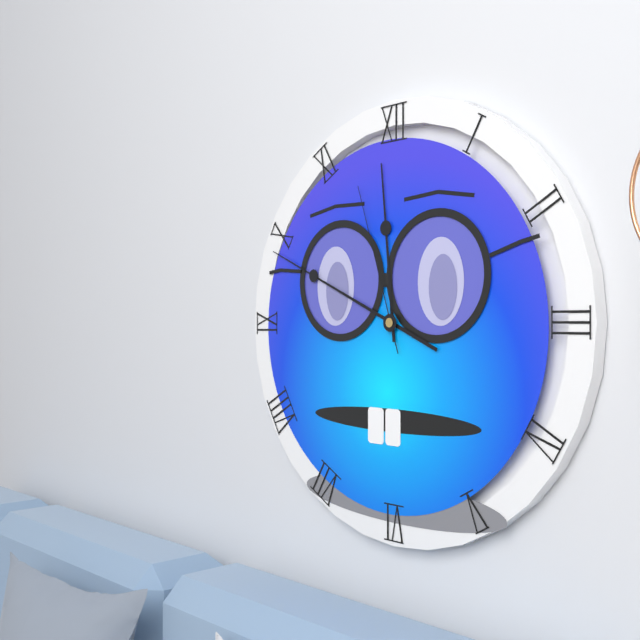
11h49m57s
